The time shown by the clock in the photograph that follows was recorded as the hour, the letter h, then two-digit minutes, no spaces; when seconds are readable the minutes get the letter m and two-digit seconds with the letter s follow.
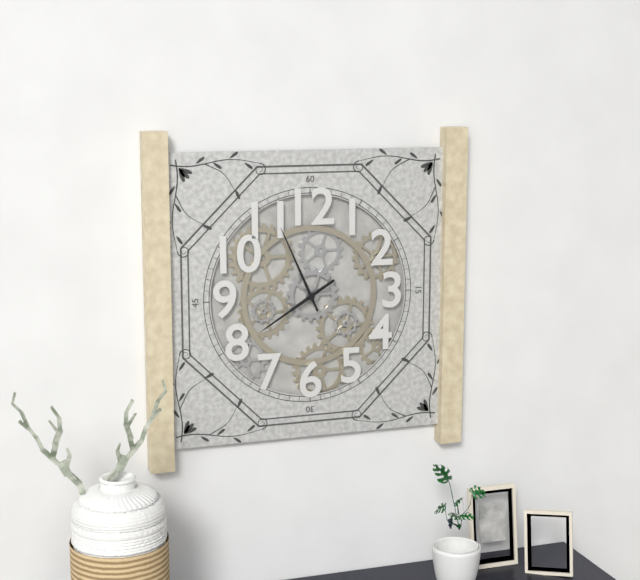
7h56
